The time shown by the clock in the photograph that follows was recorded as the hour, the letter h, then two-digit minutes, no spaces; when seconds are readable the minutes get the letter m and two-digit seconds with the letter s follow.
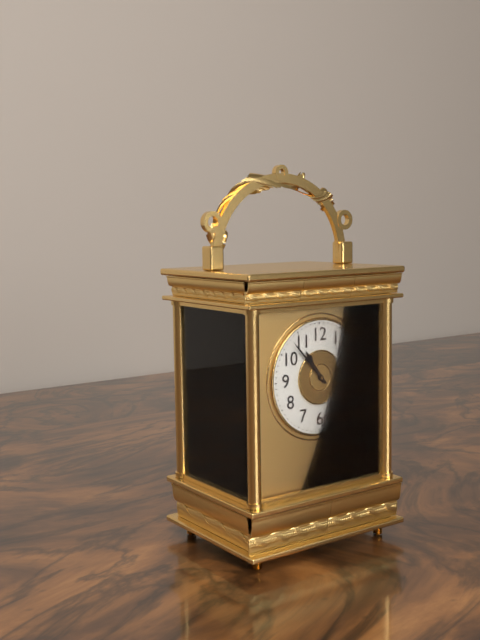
10h53
